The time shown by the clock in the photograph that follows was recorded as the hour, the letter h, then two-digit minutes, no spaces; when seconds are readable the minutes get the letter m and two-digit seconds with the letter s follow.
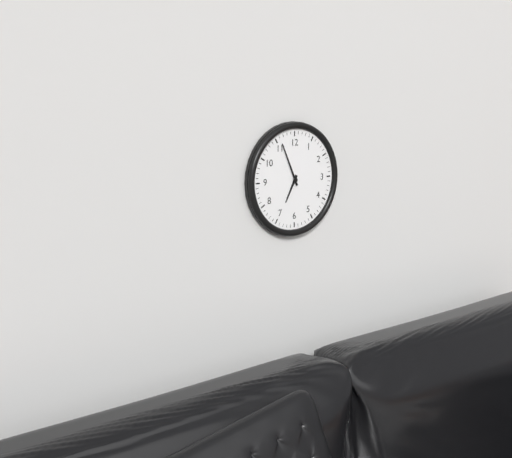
6h56
